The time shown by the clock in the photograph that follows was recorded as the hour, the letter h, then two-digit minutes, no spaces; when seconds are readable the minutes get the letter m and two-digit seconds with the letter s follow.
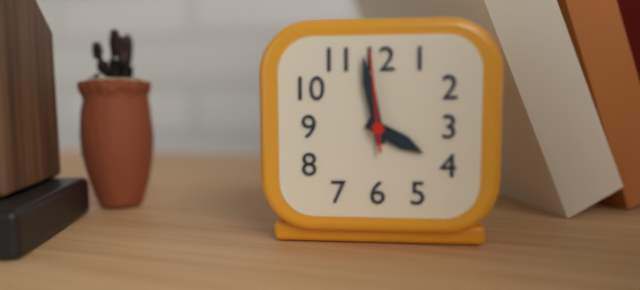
3h58m59s
